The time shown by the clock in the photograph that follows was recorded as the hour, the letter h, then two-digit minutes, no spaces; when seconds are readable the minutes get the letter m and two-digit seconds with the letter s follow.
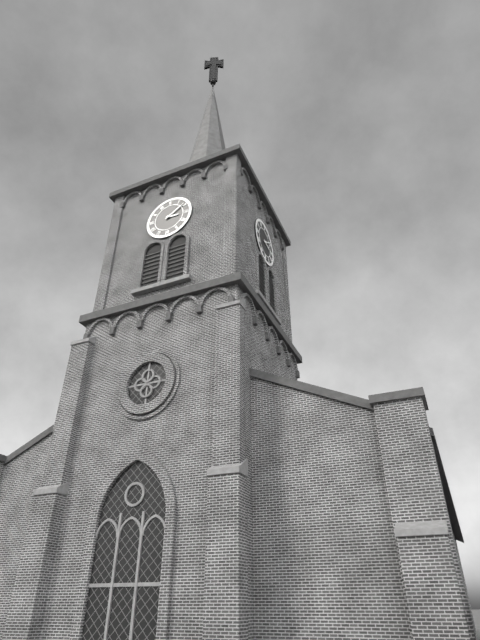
3h09
